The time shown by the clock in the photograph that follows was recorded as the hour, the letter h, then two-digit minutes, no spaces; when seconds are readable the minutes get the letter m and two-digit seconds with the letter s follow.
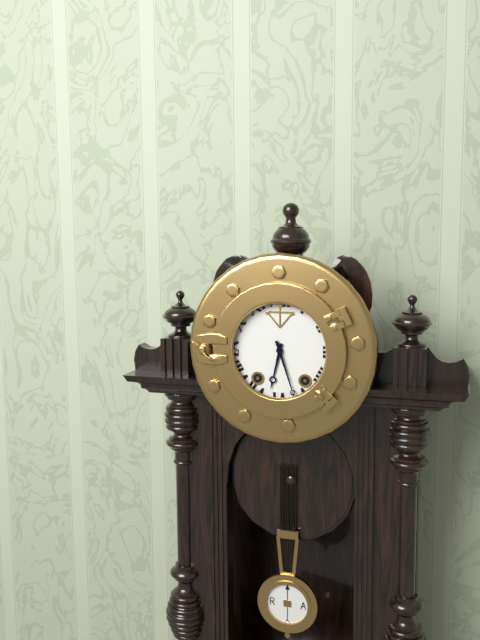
6h27
